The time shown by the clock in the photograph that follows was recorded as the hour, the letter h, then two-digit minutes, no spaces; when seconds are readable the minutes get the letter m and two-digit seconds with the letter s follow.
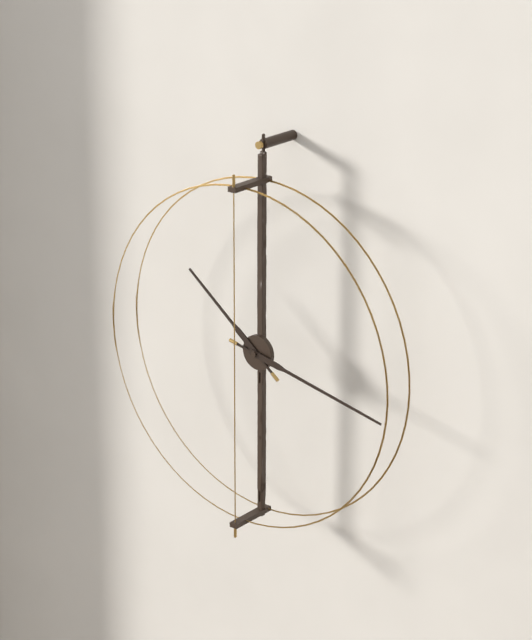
10h17
